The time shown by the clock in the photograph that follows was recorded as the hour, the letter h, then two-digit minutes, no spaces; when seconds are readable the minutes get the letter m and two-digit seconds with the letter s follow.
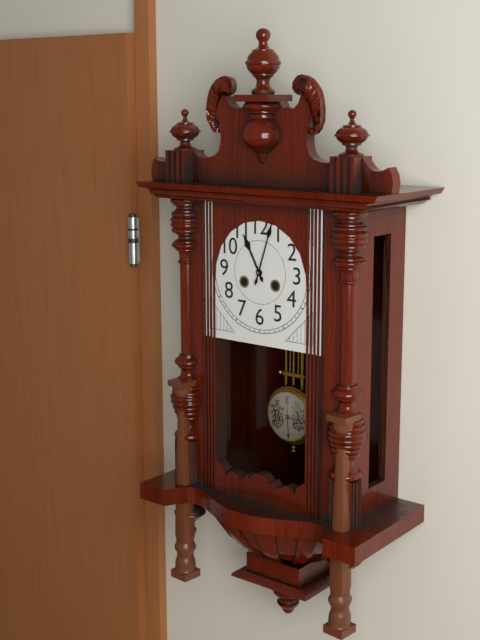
11h03
